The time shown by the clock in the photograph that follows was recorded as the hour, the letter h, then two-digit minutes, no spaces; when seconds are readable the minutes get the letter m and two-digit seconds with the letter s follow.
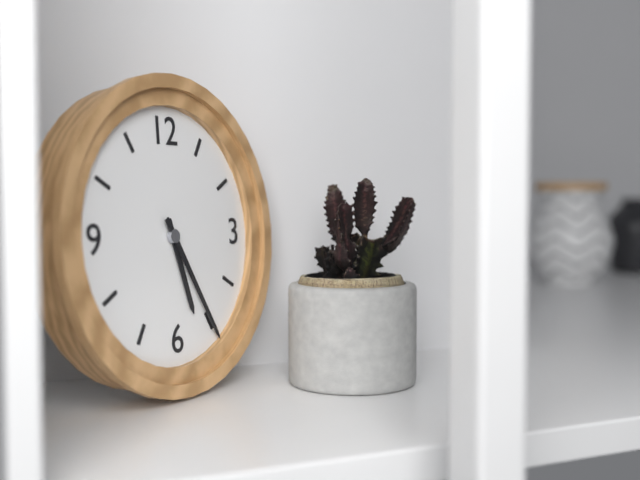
5h25
